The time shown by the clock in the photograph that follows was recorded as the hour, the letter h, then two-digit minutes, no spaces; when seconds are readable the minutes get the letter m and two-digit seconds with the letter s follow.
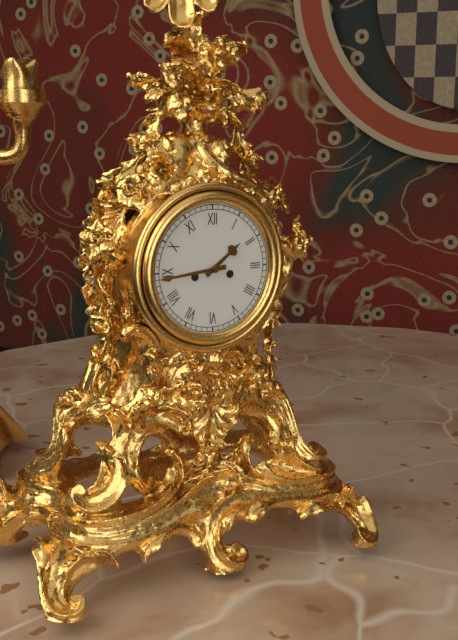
1h44
